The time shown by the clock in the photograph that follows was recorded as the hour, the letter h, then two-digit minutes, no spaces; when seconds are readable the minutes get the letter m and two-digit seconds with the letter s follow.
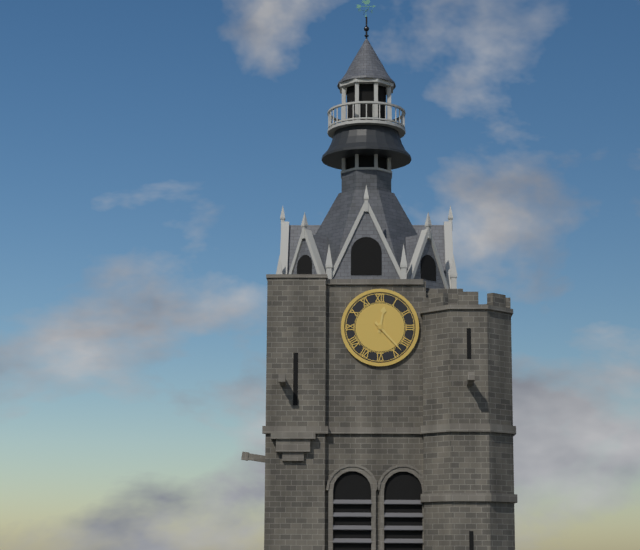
12h23
